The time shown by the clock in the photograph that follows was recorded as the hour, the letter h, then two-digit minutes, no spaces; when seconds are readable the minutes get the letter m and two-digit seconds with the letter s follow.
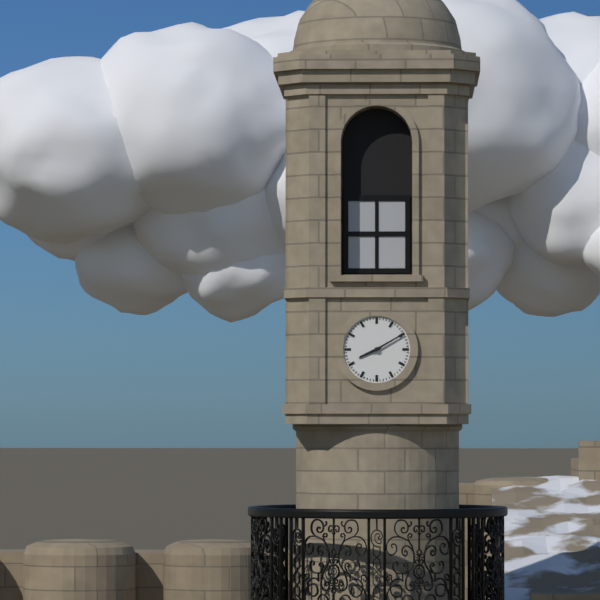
8h10
